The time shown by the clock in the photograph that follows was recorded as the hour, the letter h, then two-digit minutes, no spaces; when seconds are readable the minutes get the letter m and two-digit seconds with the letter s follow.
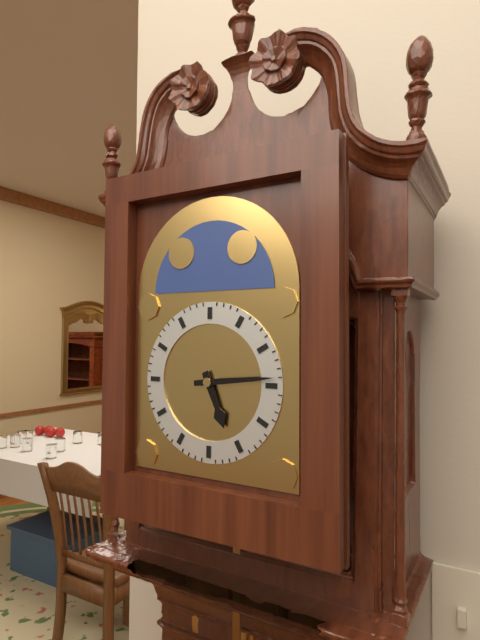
5h14
